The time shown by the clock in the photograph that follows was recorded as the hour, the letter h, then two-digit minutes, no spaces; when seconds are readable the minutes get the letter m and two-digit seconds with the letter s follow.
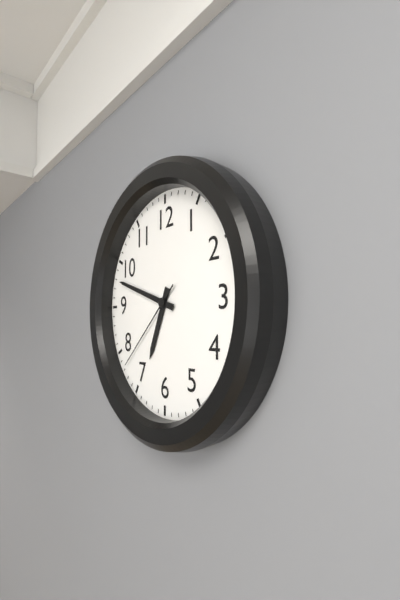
6h48m38s
